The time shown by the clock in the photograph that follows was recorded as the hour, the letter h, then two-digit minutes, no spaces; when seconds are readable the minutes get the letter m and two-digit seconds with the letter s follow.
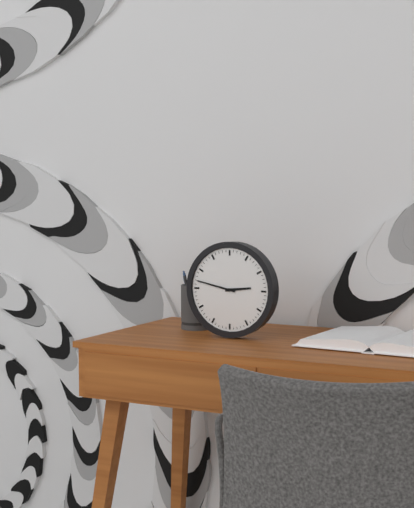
2h47
